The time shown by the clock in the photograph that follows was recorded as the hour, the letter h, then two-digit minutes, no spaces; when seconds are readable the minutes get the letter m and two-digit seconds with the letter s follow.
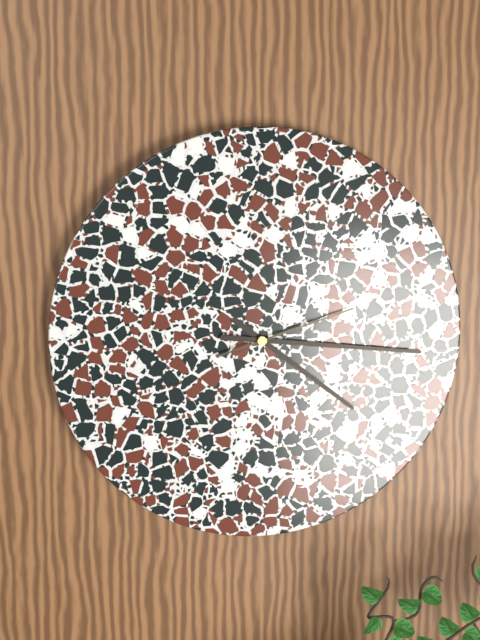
4h16m12s
